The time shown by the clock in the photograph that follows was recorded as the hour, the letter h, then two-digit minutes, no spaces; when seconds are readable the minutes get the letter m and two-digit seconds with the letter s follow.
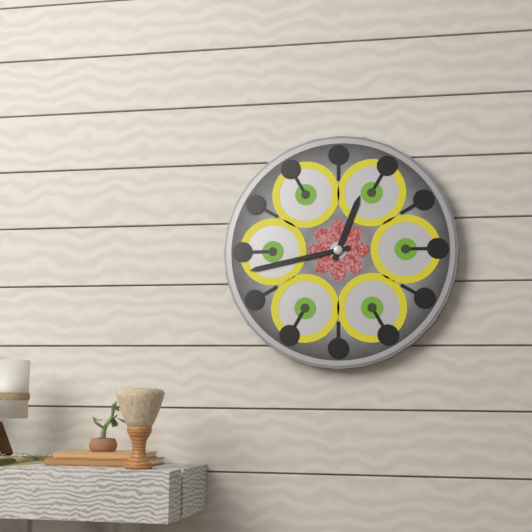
12h43
